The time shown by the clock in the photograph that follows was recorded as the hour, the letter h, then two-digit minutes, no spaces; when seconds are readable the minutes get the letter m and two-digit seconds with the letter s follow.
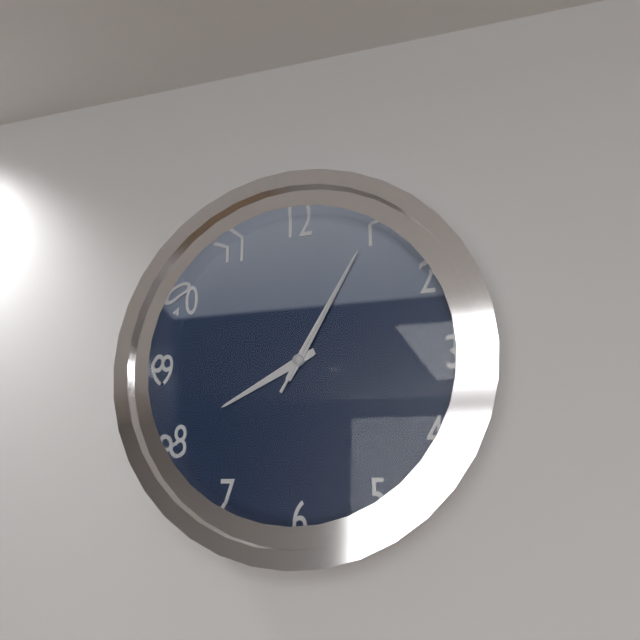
8h05m05s
